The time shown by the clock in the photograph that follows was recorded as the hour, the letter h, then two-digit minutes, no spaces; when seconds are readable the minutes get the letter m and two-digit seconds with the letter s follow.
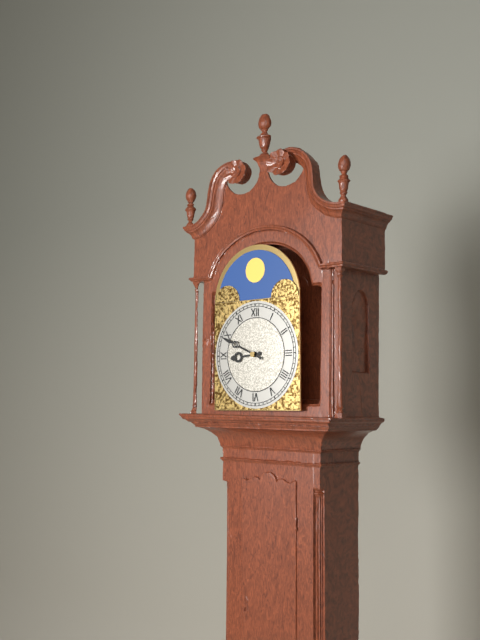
8h49
